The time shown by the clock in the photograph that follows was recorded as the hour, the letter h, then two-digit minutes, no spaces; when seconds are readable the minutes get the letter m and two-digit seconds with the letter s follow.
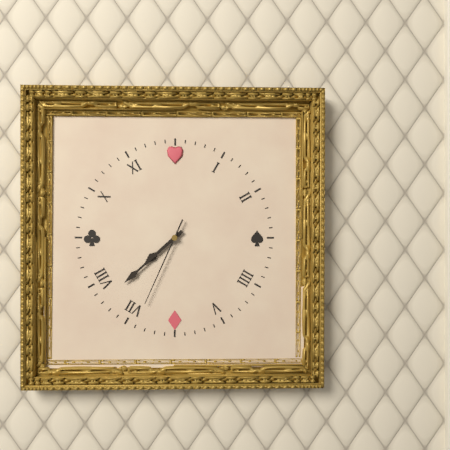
7h38m34s
